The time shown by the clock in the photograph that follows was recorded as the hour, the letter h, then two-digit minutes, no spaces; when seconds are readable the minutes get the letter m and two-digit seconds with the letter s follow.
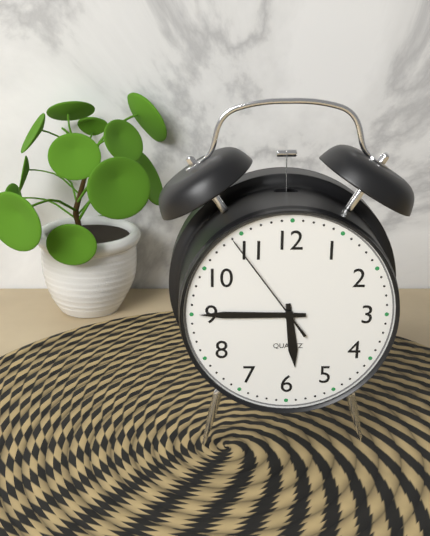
5h45m54s
